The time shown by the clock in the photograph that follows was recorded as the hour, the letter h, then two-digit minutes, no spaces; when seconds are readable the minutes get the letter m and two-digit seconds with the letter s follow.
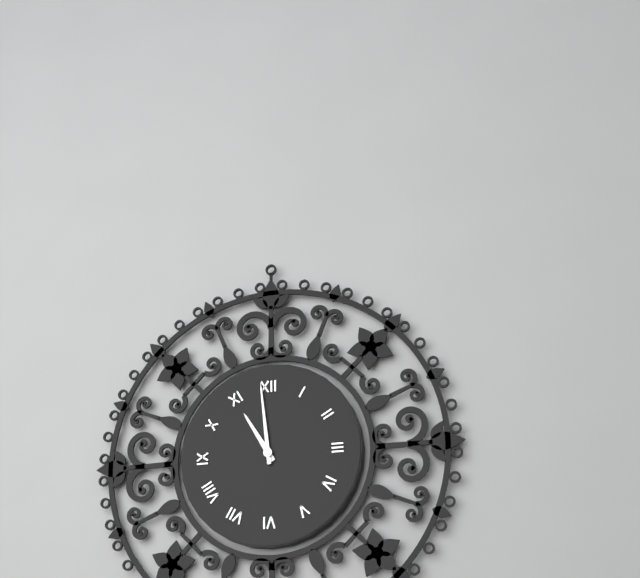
10h59
